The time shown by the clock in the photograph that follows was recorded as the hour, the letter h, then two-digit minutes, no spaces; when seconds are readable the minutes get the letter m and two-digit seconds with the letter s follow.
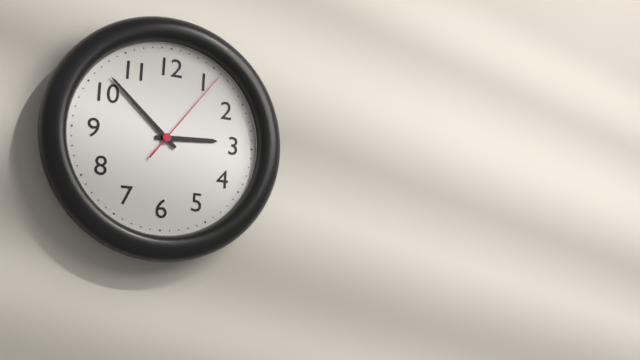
2h52m06s
